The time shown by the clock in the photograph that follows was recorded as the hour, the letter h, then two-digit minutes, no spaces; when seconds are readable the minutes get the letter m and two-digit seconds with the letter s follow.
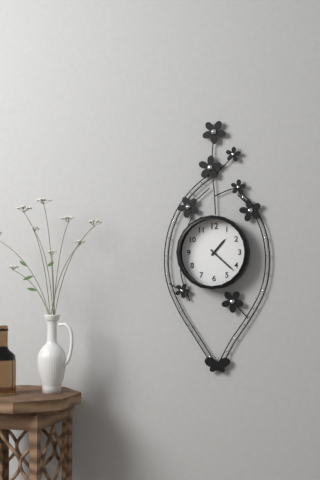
1h22
